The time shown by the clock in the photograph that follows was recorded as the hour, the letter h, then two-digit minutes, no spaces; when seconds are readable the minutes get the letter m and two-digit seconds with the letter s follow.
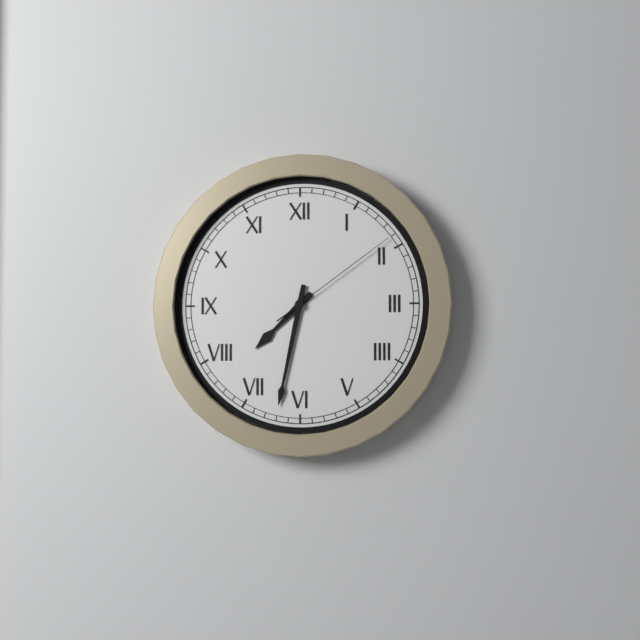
7h32m09s
